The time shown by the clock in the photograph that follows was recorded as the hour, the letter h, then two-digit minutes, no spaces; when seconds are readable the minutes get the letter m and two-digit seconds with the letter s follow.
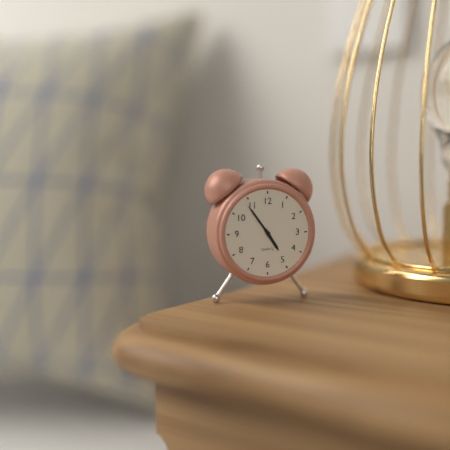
4h54
